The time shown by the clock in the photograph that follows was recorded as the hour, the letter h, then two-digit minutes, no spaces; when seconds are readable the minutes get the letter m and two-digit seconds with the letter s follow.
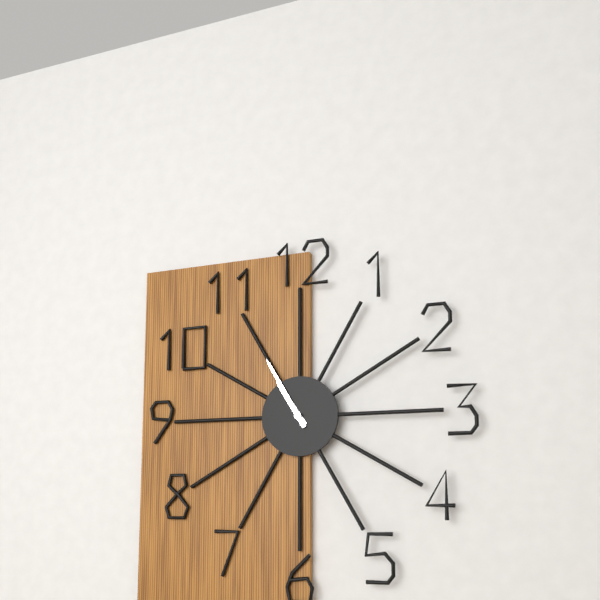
10h55
